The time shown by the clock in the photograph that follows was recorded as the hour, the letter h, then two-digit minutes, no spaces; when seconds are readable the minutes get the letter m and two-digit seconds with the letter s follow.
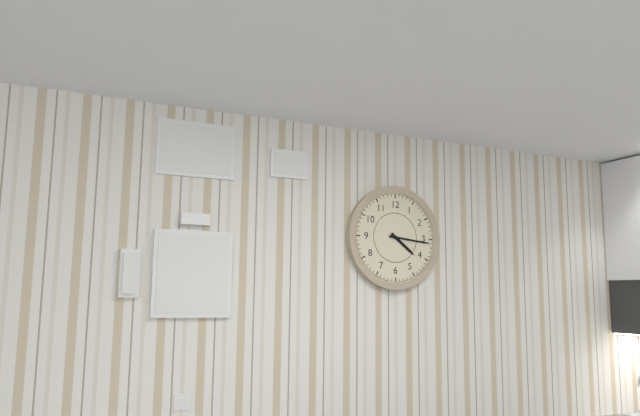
4h16
